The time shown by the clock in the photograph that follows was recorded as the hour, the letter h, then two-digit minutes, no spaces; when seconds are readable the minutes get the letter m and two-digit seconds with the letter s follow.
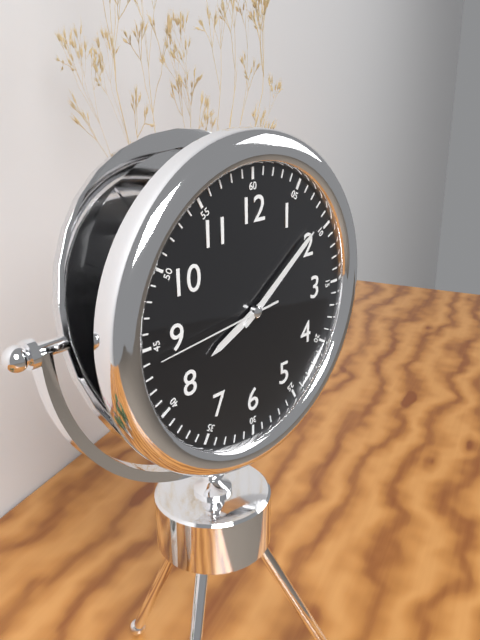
8h09m44s
